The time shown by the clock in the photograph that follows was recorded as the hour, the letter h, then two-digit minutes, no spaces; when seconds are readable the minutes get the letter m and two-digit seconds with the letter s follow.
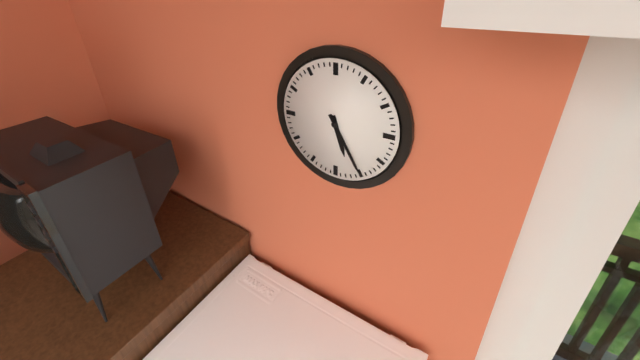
5h25
